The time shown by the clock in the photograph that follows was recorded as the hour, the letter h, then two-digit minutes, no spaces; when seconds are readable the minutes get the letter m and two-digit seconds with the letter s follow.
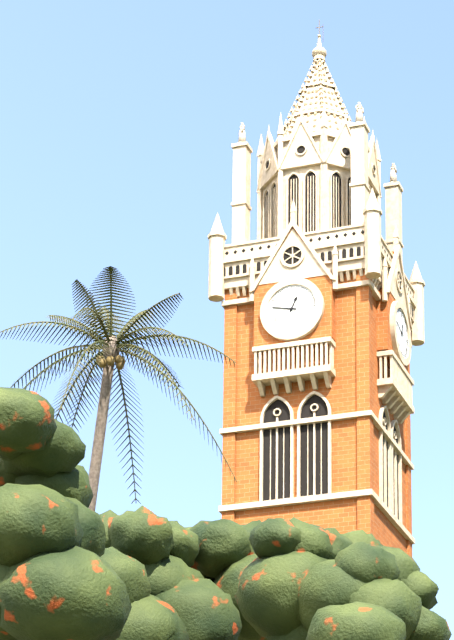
12h47
